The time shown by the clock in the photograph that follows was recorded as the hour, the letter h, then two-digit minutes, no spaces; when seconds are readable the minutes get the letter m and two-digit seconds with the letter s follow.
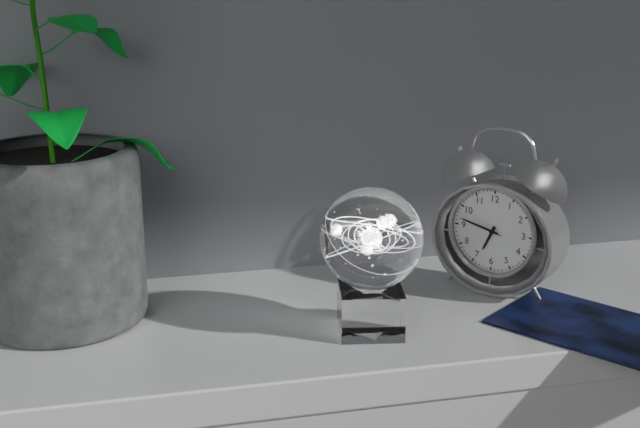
6h47
